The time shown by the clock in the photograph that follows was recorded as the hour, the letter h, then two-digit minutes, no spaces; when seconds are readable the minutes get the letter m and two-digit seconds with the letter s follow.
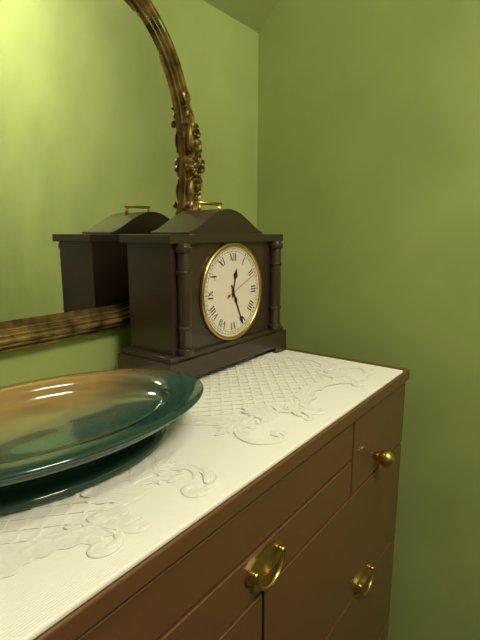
12h26
